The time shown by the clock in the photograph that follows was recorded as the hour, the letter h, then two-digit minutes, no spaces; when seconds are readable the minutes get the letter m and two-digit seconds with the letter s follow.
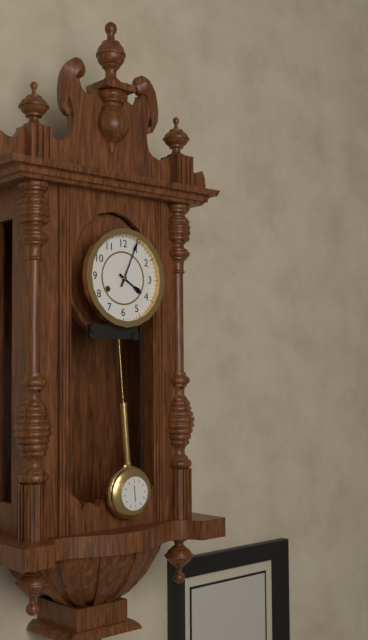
4h04
